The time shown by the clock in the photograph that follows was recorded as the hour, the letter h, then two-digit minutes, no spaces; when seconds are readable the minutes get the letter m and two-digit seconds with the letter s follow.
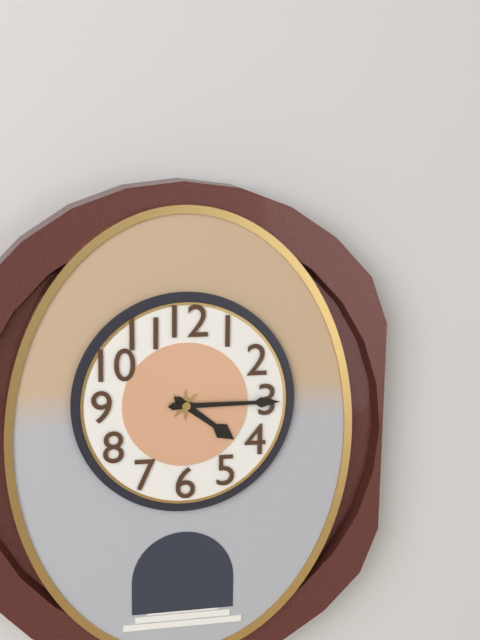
4h15
